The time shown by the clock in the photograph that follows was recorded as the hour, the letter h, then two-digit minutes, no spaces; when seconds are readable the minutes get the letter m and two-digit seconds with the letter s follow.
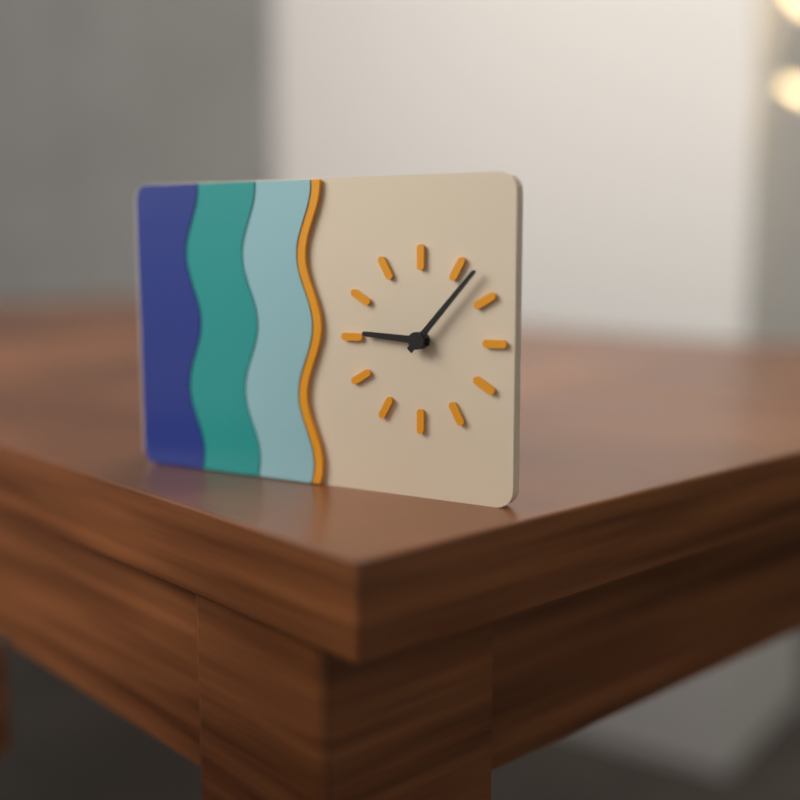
9h07
